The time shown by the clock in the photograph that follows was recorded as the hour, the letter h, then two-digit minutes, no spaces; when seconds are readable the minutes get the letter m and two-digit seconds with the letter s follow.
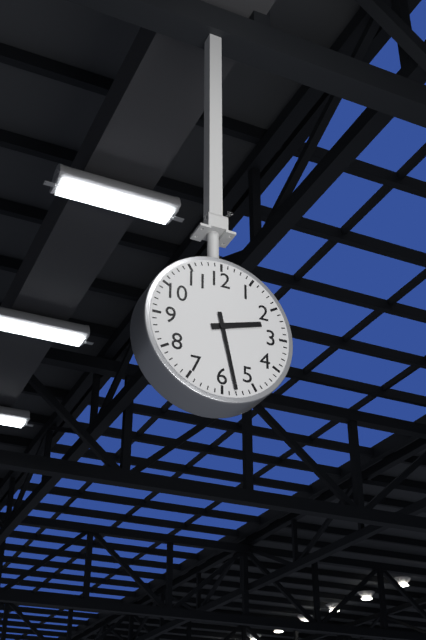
2h28
